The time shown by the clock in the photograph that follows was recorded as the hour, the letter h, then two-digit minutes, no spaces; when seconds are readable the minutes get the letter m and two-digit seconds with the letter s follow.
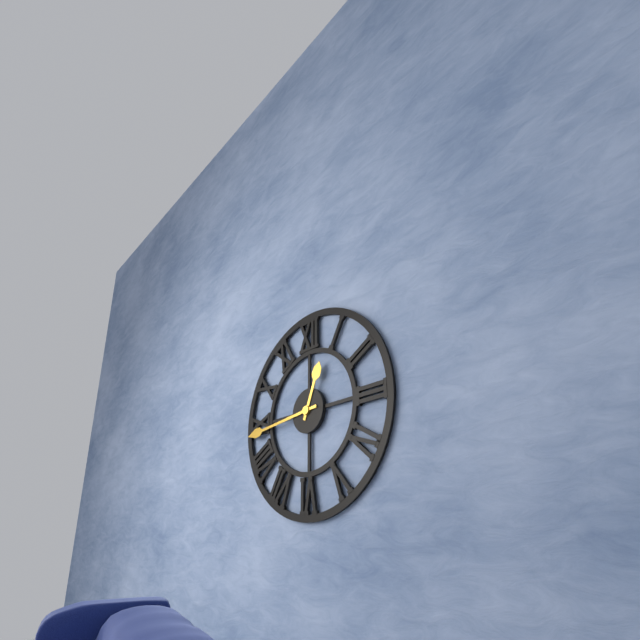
12h44
